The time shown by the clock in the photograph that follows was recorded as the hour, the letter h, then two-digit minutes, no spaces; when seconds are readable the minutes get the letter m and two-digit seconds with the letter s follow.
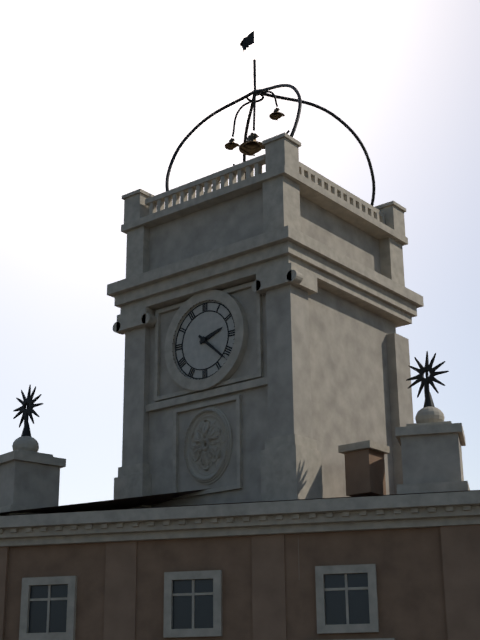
2h22
